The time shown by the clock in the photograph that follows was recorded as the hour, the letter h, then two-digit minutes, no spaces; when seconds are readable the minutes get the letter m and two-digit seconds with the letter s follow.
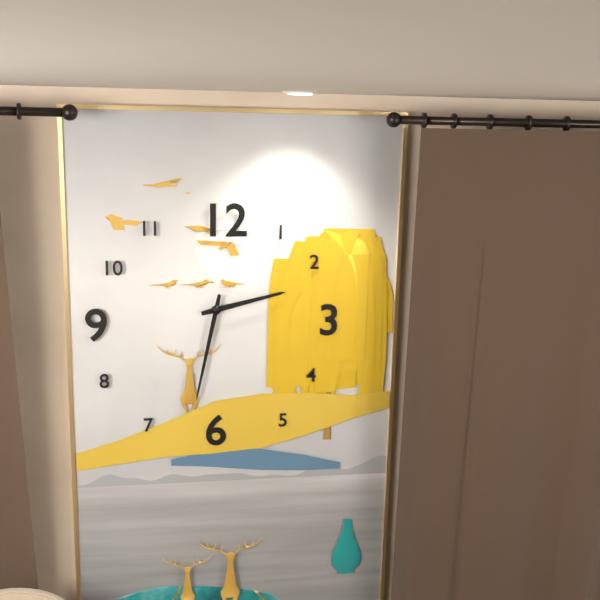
2h32
